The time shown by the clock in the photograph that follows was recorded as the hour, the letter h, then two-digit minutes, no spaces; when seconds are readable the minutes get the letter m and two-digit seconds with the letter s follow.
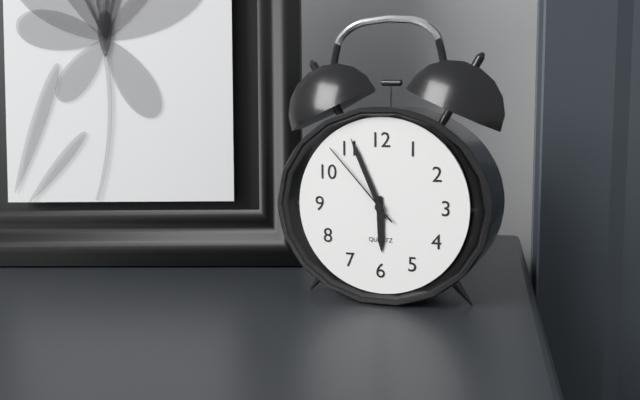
5h56m53s
